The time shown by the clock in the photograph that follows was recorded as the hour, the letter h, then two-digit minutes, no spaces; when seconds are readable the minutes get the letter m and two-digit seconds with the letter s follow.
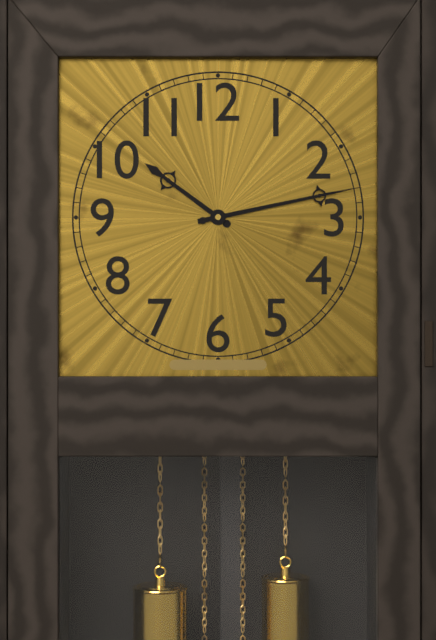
10h13
